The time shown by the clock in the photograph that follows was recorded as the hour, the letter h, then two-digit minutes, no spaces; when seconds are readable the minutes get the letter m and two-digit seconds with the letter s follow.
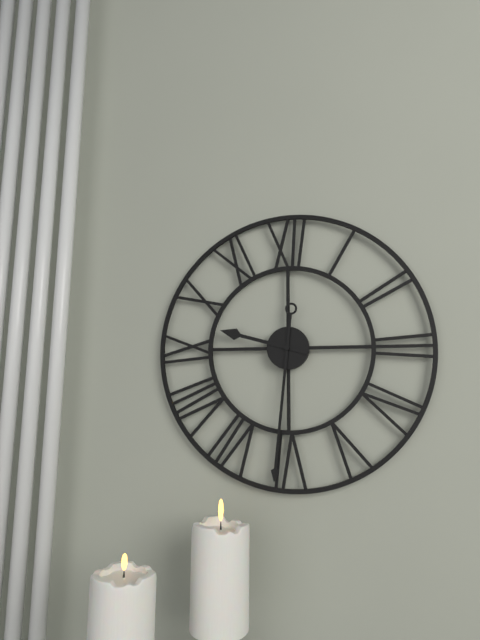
9h31
